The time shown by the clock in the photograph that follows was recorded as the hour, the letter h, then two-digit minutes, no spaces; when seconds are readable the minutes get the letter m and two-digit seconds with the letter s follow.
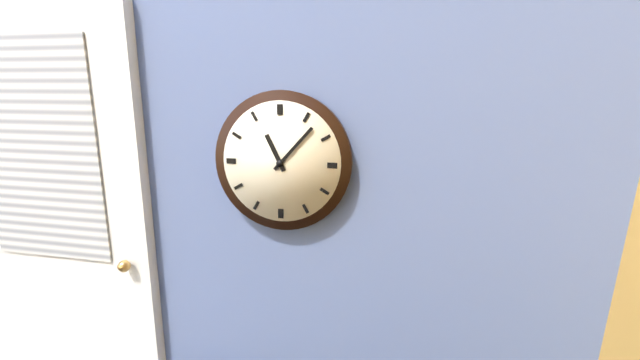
11h07
